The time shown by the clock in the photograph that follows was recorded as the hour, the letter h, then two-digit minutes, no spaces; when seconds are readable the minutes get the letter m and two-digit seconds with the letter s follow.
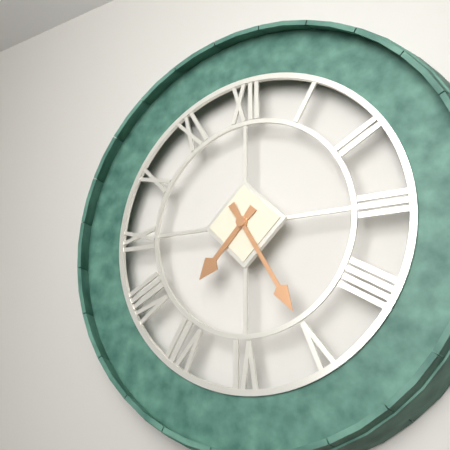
7h25
